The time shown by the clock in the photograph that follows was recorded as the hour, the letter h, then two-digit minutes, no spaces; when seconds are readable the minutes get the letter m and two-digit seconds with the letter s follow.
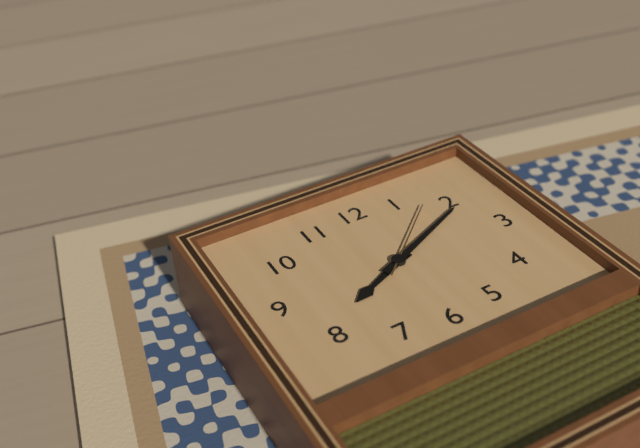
8h11m08s
